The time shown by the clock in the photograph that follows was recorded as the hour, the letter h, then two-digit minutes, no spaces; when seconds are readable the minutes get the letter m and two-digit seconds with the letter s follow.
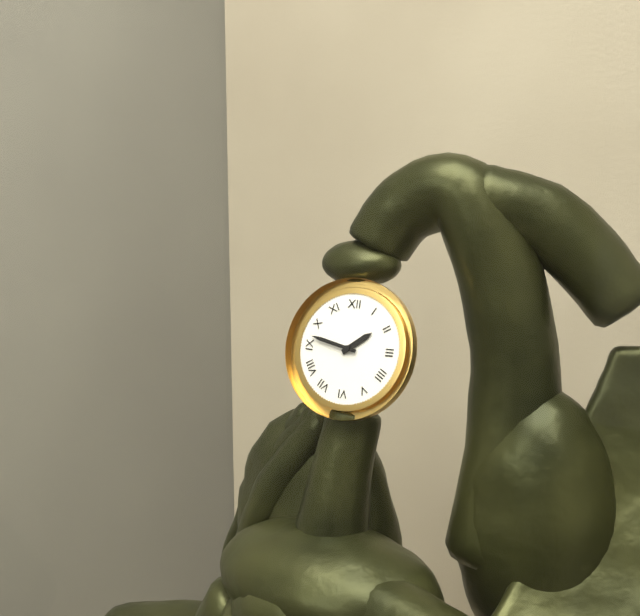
1h47
